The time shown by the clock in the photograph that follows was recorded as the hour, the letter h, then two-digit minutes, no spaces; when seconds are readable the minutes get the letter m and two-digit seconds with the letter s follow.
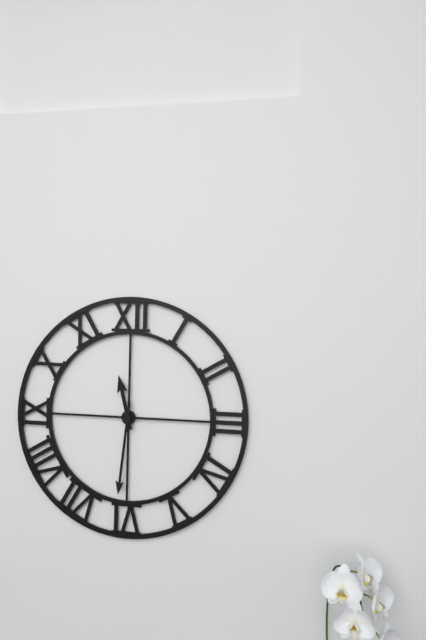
11h31
